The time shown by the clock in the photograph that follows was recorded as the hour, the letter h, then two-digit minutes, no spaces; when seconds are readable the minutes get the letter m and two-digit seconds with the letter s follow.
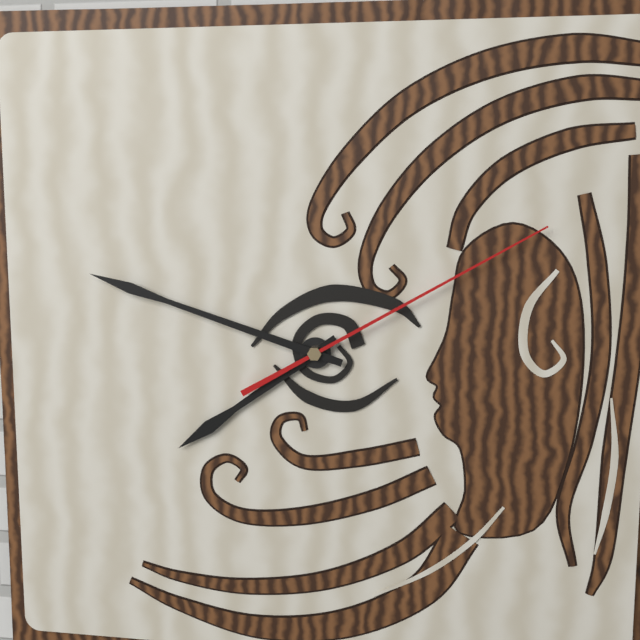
7h48m10s
